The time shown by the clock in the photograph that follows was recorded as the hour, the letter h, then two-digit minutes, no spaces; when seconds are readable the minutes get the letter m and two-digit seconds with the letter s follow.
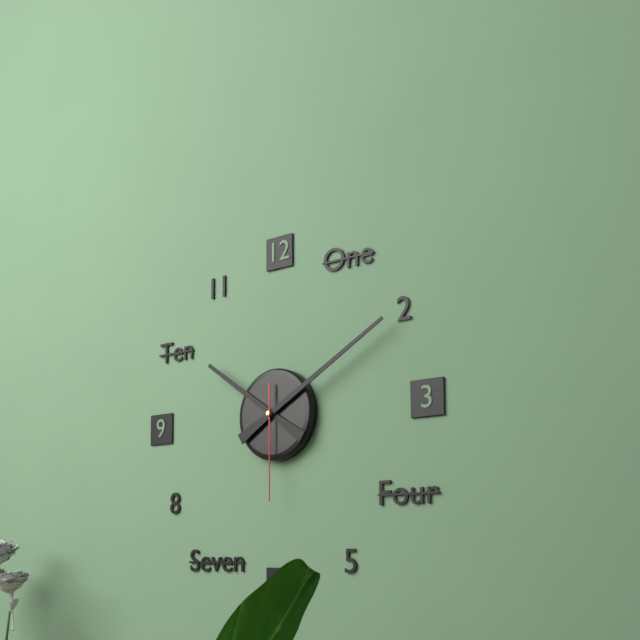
10h10m30s
